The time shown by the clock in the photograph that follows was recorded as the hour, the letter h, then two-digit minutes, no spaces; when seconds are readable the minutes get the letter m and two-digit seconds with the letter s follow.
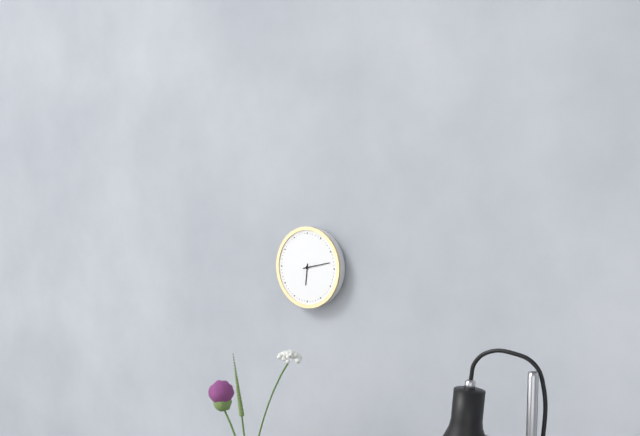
6h13
